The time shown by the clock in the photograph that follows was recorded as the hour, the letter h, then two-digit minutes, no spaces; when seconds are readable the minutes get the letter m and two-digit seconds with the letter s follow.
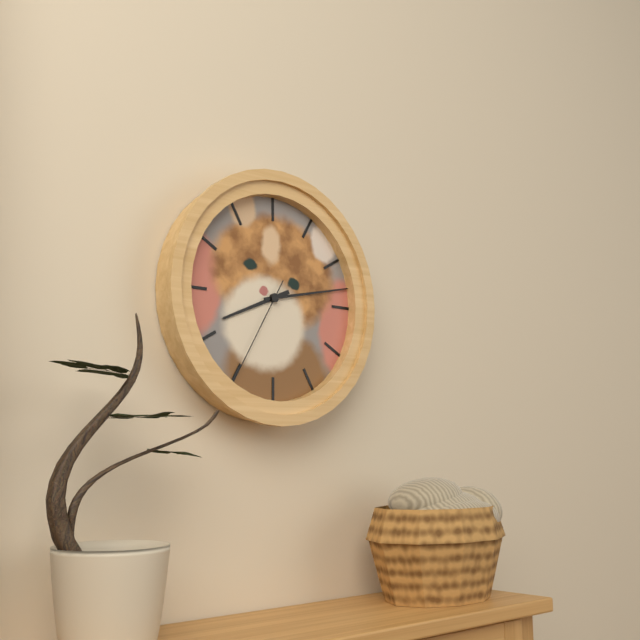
8h13m35s
